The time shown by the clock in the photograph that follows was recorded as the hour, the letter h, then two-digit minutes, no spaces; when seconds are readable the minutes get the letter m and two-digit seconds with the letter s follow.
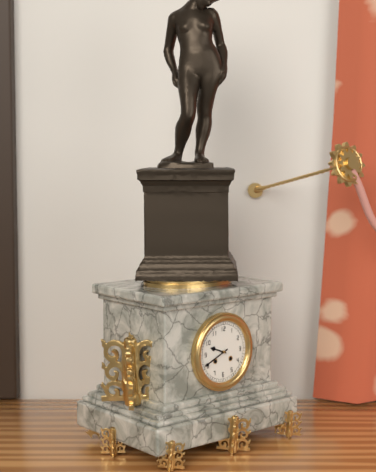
9h41
